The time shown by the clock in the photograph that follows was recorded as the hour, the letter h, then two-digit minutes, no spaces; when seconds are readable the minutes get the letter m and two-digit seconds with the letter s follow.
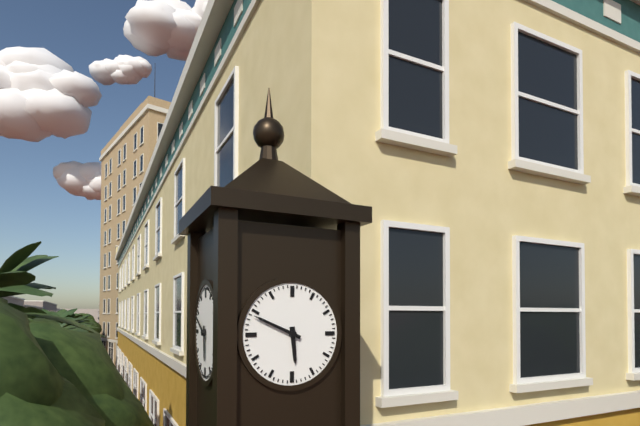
5h49
